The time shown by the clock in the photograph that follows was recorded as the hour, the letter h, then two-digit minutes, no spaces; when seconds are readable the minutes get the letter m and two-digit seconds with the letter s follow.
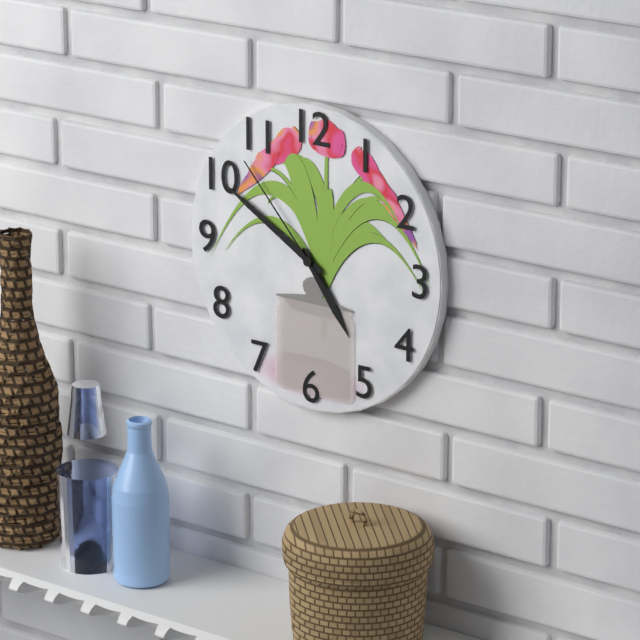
4h50m53s
